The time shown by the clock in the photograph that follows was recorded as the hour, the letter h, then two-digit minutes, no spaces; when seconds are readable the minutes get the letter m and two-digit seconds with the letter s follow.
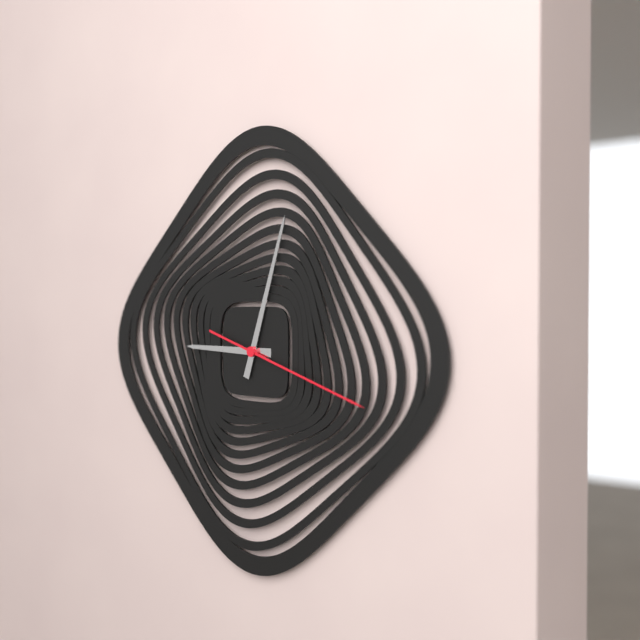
9h03m18s
